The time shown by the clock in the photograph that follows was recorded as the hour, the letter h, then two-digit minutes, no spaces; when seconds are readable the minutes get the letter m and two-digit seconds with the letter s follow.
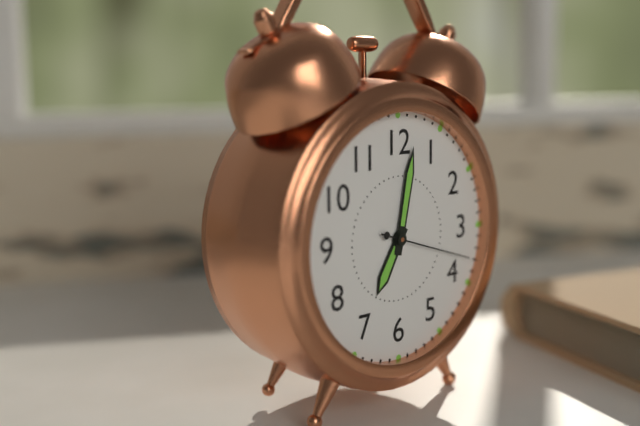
7h02m18s
